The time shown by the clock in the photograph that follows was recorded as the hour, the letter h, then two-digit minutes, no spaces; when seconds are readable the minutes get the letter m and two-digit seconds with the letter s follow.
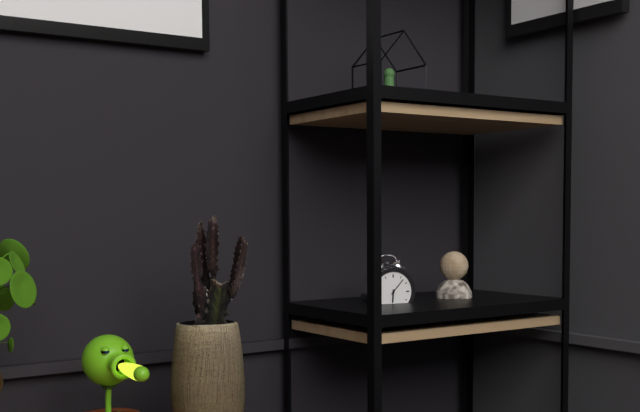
6h07
